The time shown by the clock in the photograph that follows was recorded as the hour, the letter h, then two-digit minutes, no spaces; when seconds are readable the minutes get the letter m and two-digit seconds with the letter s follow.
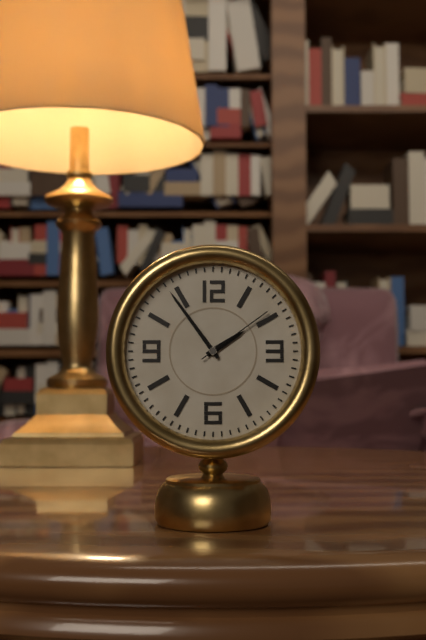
1h54m09s
